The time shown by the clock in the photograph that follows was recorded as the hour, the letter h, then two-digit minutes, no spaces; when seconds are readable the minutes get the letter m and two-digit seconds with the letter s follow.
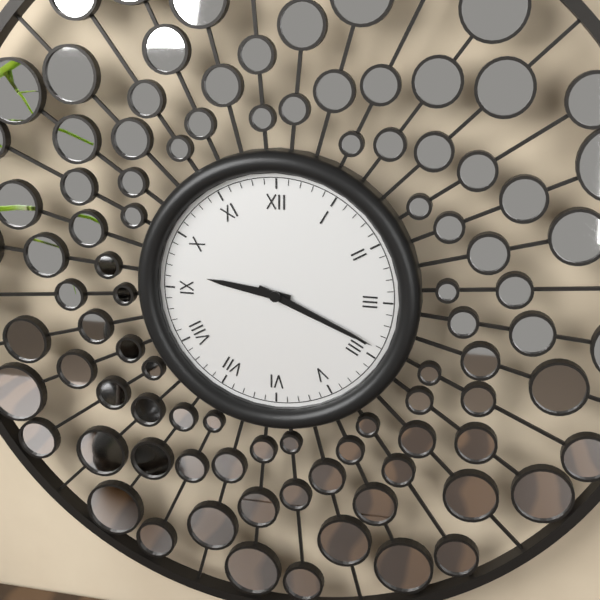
9h19
